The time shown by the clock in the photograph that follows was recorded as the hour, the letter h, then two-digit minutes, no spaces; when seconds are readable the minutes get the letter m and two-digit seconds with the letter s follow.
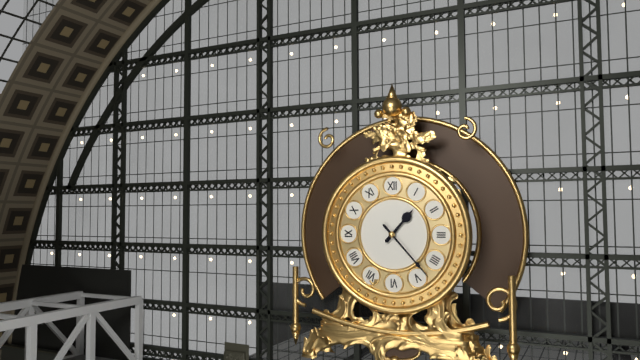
1h23
